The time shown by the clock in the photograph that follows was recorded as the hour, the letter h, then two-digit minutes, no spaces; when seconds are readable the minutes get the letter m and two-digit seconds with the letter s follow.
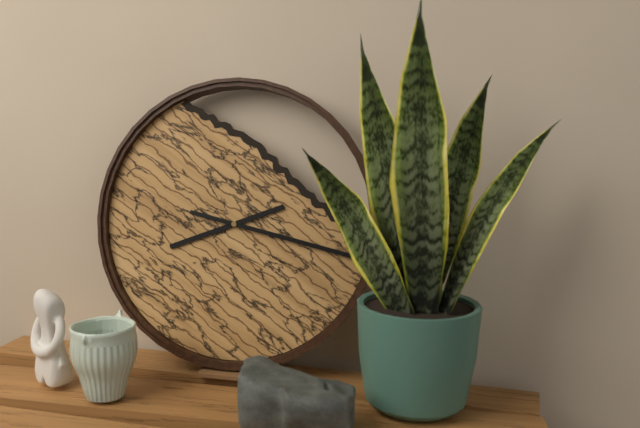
8h17
